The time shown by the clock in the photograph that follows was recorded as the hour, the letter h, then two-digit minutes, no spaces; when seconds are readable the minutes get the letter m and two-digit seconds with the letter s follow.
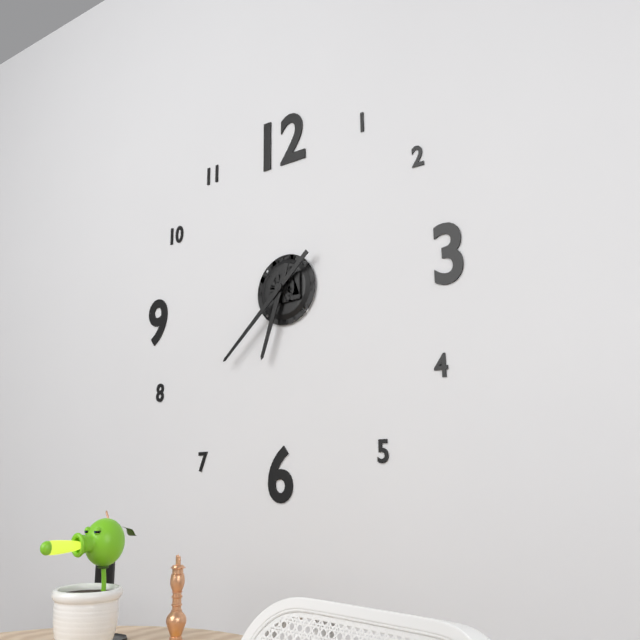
6h38
